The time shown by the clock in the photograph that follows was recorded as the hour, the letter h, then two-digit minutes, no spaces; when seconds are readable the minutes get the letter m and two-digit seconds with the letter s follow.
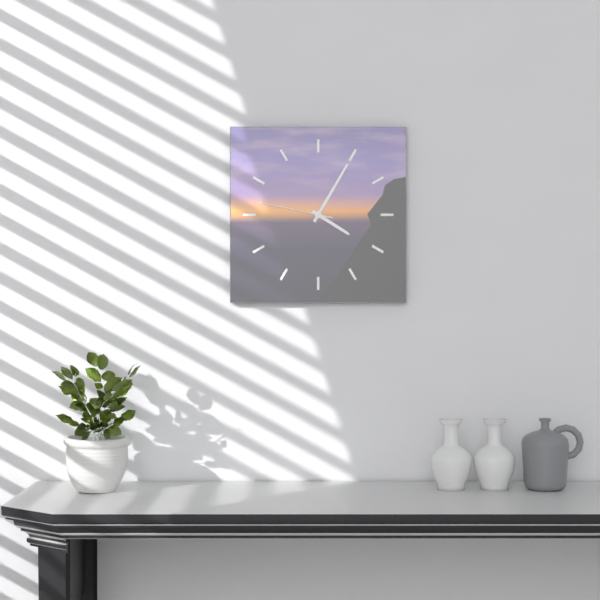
4h05m47s
